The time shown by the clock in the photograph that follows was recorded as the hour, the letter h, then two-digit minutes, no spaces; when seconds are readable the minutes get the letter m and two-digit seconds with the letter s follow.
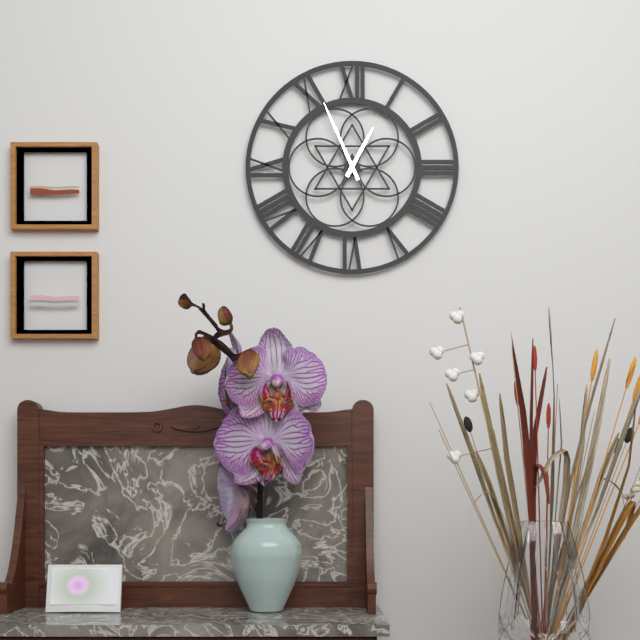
12h56
